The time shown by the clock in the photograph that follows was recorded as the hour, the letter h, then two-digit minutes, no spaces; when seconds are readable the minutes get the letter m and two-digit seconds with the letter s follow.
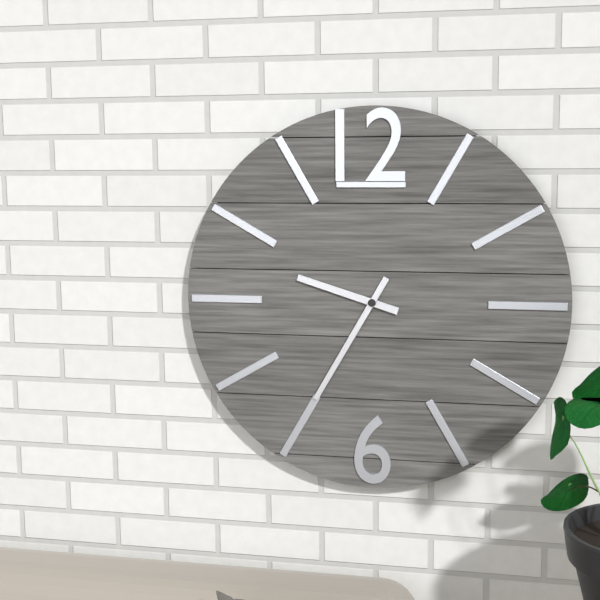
9h35
